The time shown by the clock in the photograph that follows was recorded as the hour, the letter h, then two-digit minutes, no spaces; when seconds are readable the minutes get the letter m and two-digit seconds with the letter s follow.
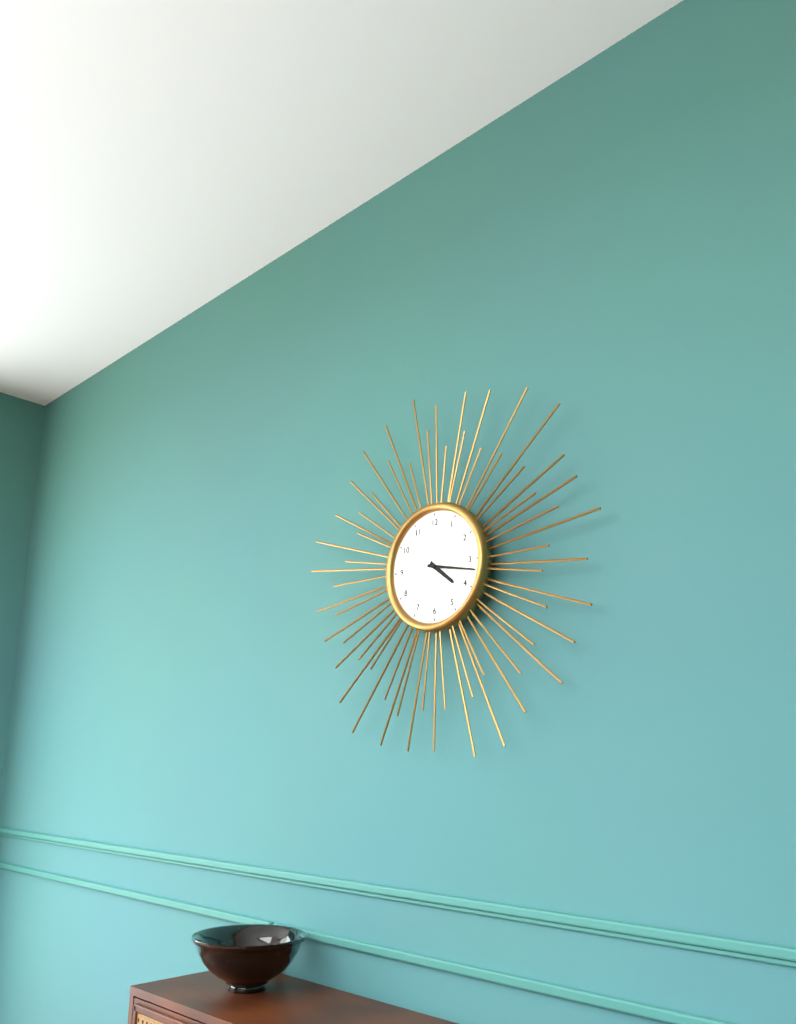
4h17
